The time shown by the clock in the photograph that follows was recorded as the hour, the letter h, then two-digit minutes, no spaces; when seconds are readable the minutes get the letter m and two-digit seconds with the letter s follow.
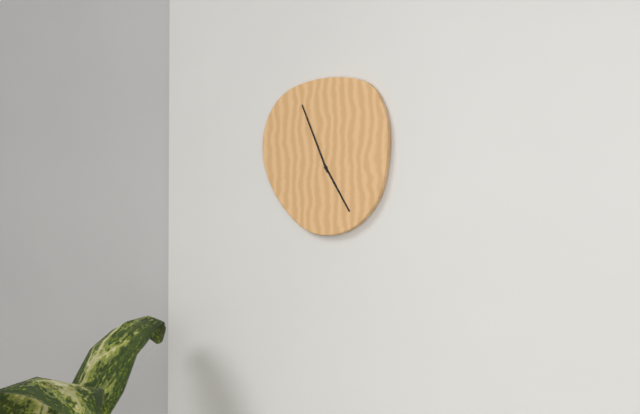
4h56
